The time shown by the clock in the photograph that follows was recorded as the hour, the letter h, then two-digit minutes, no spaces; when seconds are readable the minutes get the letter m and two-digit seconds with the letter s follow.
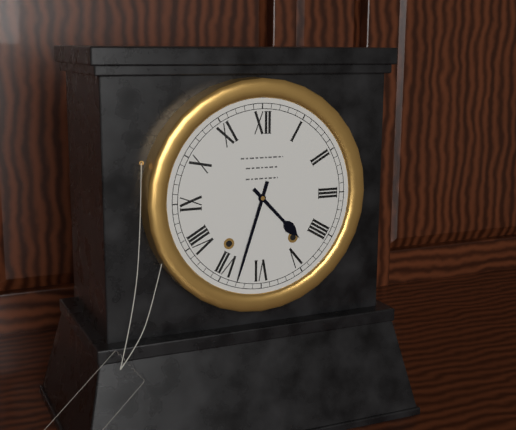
4h33
